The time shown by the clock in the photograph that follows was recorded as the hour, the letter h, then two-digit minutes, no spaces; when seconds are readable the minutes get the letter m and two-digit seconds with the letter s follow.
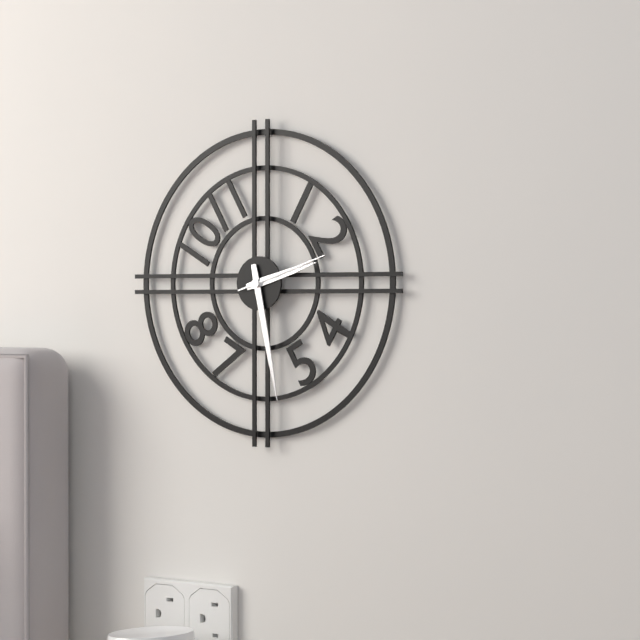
2h28m12s
